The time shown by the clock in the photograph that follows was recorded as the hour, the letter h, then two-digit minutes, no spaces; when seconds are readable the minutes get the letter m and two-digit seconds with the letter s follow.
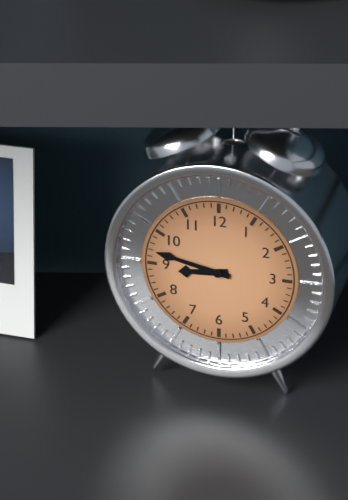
8h47
